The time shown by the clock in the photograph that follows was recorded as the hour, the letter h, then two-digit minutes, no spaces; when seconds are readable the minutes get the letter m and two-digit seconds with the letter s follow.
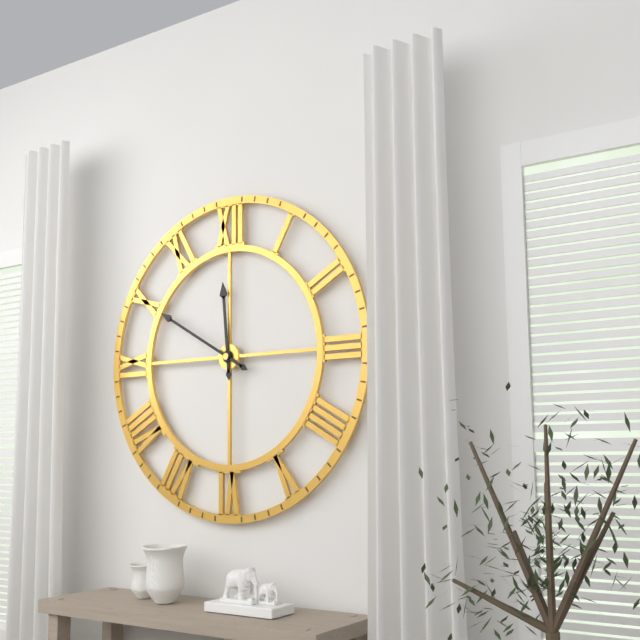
11h50
